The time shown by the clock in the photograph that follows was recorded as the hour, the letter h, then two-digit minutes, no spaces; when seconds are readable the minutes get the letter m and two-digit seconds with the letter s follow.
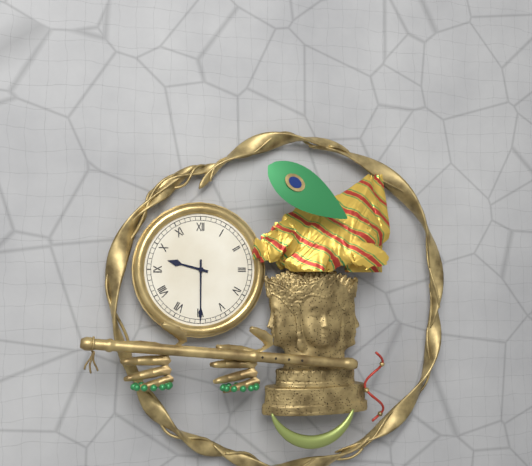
9h30
